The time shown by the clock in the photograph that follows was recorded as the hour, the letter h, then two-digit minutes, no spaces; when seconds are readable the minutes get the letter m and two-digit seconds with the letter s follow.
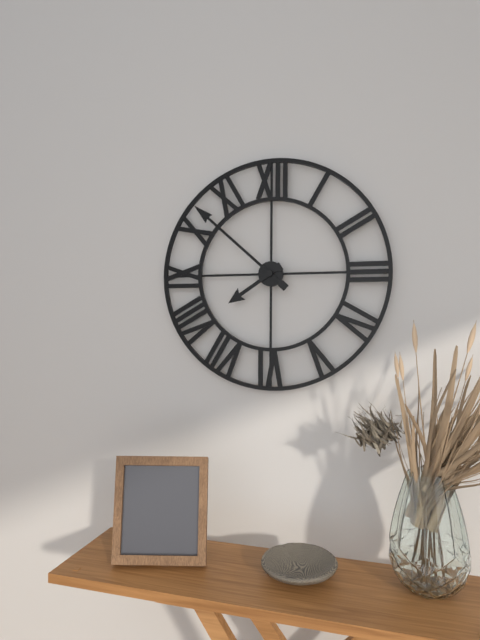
7h52
